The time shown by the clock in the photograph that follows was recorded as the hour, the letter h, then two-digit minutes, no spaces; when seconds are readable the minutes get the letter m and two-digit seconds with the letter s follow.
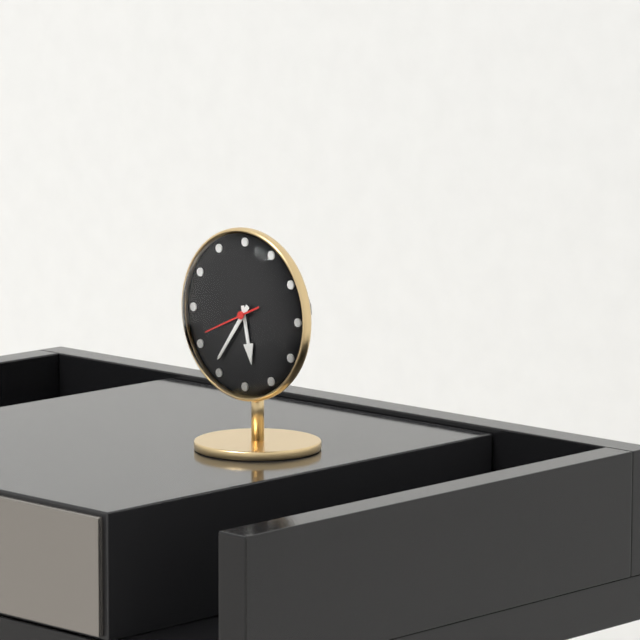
5h36m41s
